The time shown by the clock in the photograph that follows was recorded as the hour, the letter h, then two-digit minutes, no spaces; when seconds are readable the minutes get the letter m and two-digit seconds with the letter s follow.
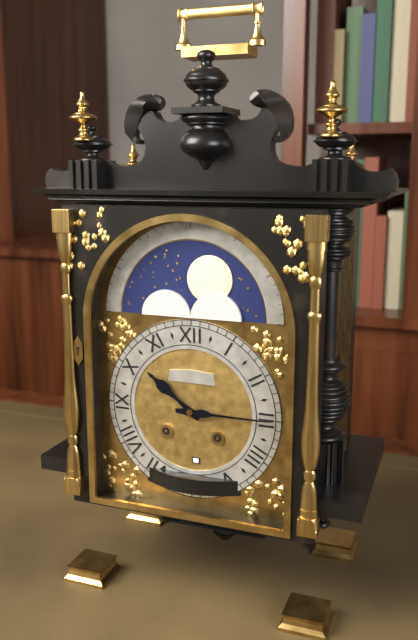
10h15
